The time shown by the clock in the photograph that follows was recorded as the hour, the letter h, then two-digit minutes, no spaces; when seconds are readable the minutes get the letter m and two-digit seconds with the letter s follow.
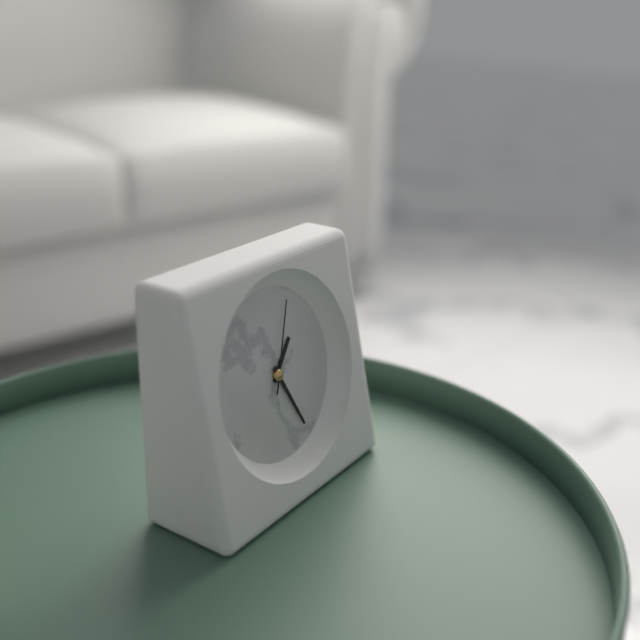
1h26m04s
